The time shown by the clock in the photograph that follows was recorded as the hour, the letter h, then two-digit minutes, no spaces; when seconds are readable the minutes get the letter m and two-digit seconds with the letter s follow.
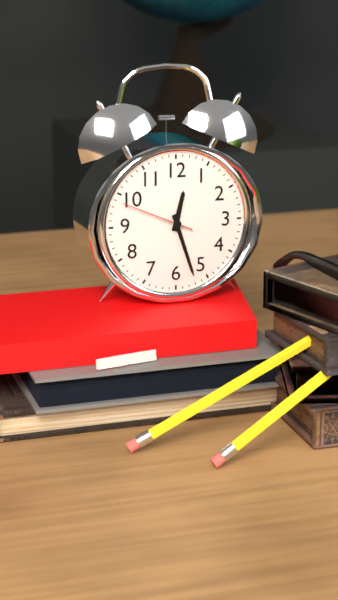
12h27m49s
